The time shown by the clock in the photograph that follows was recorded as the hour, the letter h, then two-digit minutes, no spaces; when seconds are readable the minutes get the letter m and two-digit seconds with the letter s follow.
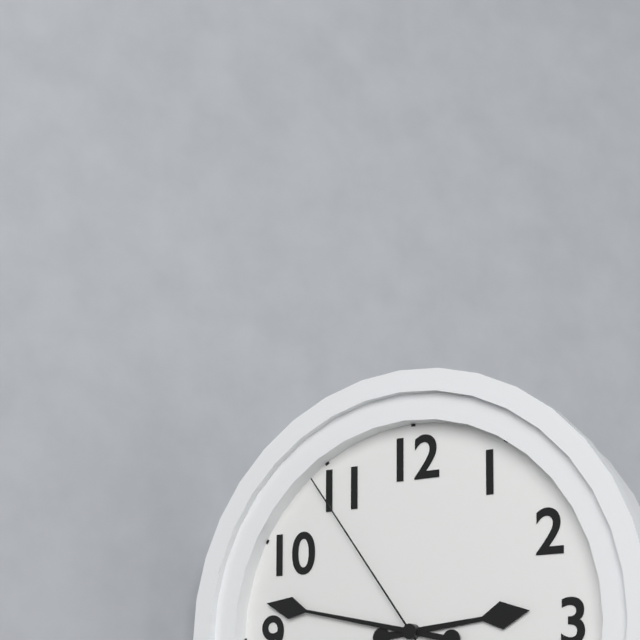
2h47m54s
